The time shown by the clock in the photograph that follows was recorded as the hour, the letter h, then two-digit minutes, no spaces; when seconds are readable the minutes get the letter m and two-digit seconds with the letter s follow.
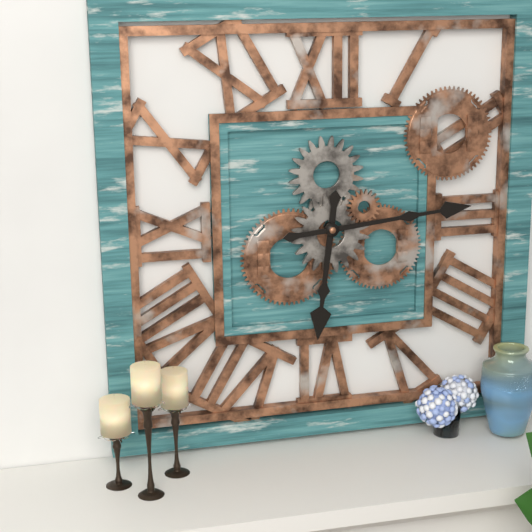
6h14
